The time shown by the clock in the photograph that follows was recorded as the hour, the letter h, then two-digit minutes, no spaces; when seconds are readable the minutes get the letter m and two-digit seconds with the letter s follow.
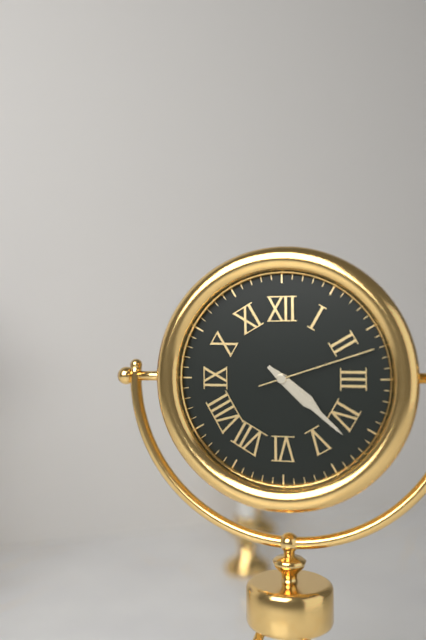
4h22m12s
